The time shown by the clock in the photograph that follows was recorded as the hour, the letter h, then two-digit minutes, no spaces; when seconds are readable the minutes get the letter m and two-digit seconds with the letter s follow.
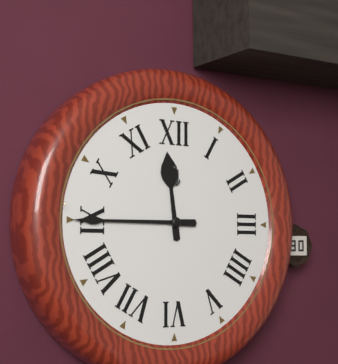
11h45
